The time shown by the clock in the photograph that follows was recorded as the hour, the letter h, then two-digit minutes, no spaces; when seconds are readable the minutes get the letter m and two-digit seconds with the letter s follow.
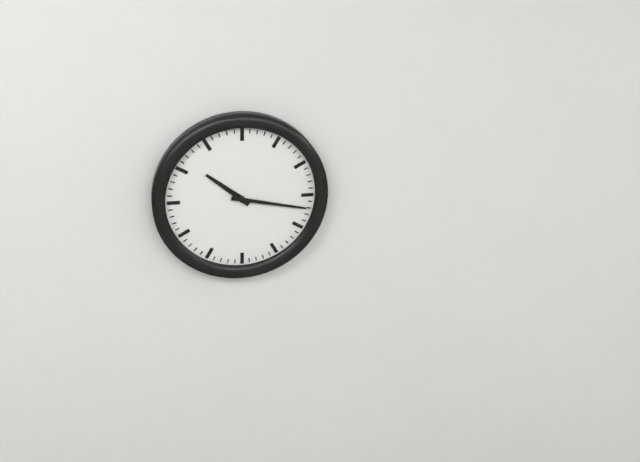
10h17
